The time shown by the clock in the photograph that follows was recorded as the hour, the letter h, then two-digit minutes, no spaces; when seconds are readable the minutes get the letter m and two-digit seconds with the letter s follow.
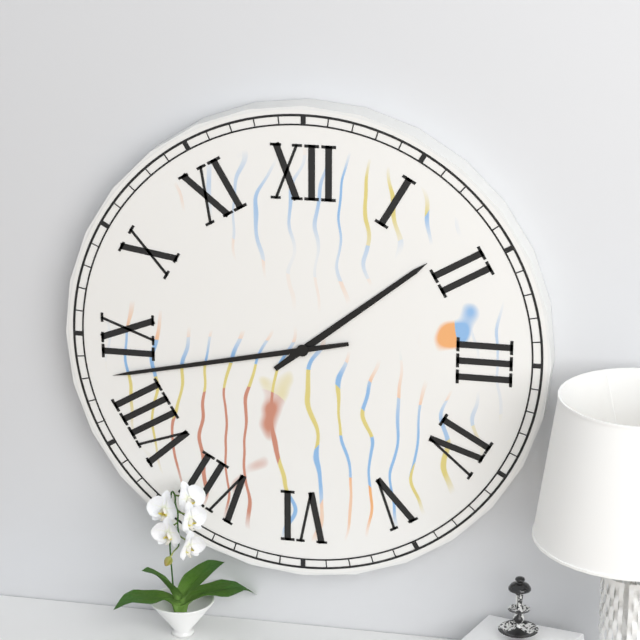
1h43
